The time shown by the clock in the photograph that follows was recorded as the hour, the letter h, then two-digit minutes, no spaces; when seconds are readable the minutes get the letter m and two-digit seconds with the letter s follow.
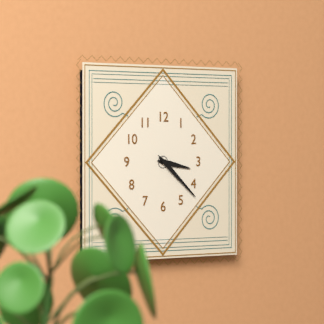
3h22
